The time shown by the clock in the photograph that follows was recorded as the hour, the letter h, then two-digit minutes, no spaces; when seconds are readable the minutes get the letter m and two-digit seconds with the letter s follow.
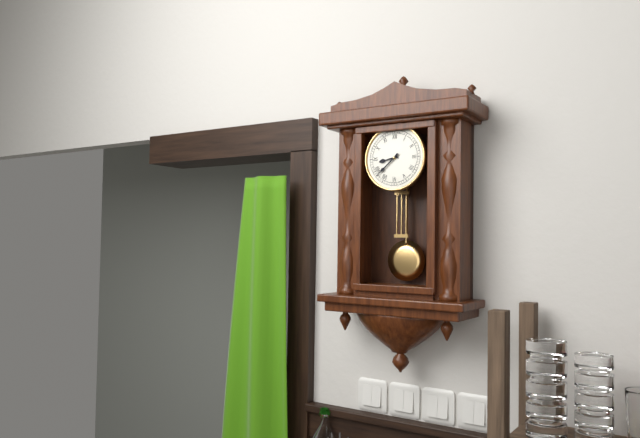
8h38
